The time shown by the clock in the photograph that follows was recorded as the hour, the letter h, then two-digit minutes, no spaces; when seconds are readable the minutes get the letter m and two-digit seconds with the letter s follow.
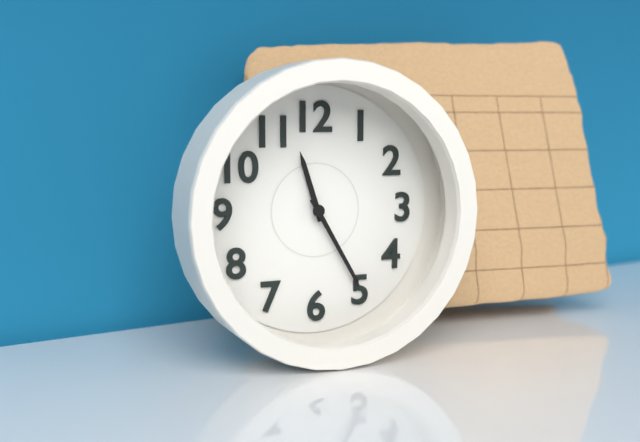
11h25
